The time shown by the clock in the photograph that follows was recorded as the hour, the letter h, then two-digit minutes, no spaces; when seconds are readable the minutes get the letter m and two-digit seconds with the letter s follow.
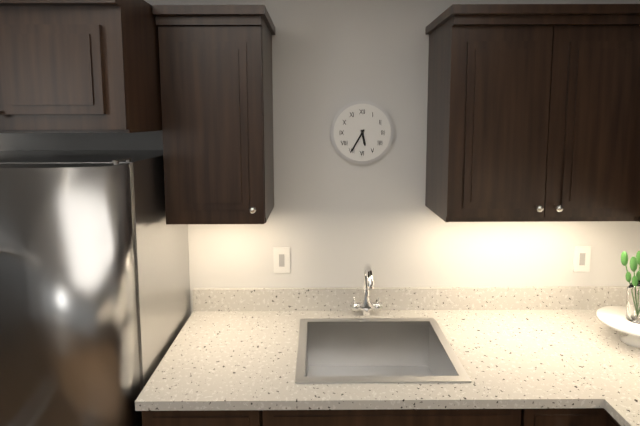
5h35
